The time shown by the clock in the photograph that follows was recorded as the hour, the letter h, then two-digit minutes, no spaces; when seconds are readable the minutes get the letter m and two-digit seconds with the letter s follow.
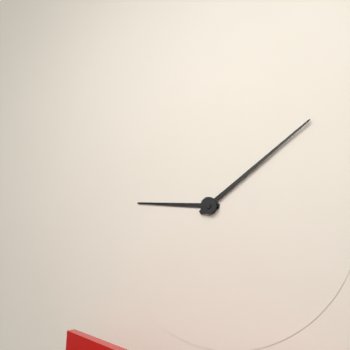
9h09
